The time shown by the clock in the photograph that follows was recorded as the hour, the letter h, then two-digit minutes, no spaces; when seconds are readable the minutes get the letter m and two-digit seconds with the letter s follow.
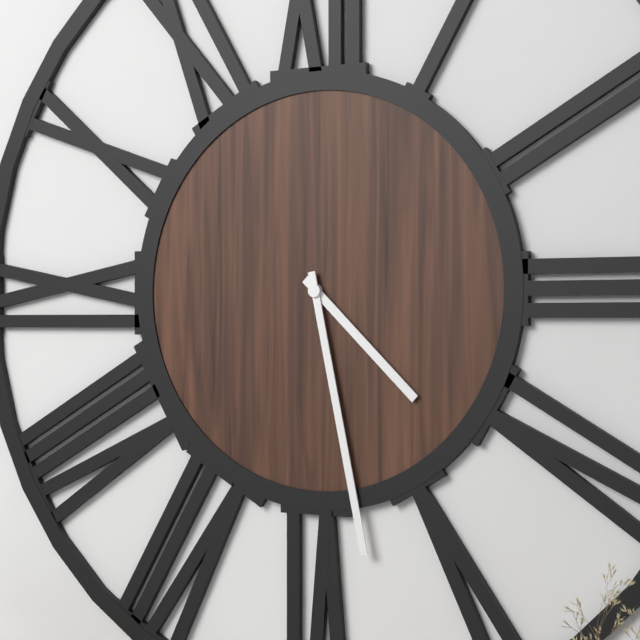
4h28
